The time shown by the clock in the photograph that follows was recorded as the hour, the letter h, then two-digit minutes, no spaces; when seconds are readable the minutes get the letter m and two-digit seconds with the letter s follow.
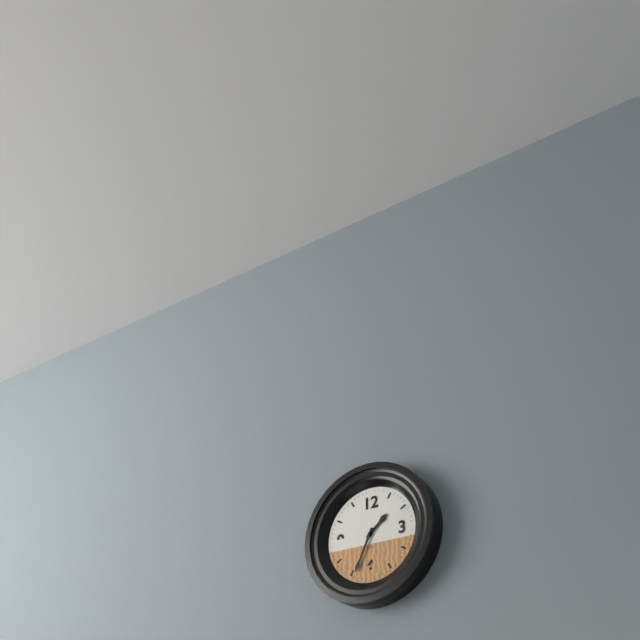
1h34
